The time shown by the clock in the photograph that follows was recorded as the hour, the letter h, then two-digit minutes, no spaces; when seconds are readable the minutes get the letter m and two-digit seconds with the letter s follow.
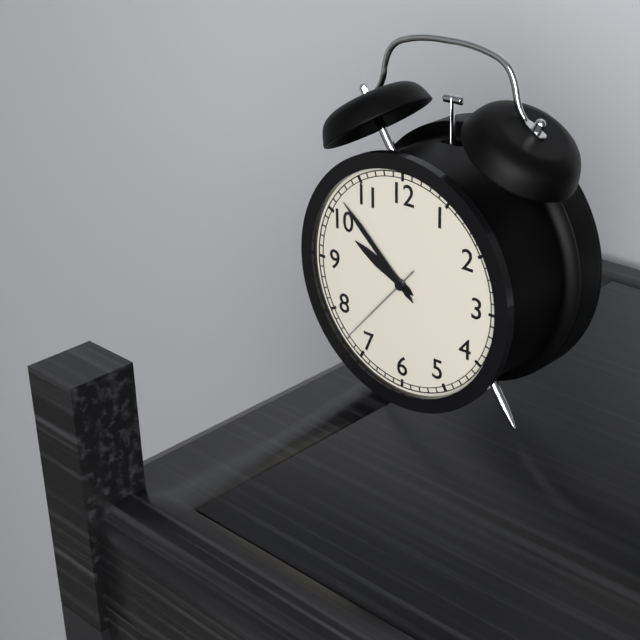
9h52m37s
